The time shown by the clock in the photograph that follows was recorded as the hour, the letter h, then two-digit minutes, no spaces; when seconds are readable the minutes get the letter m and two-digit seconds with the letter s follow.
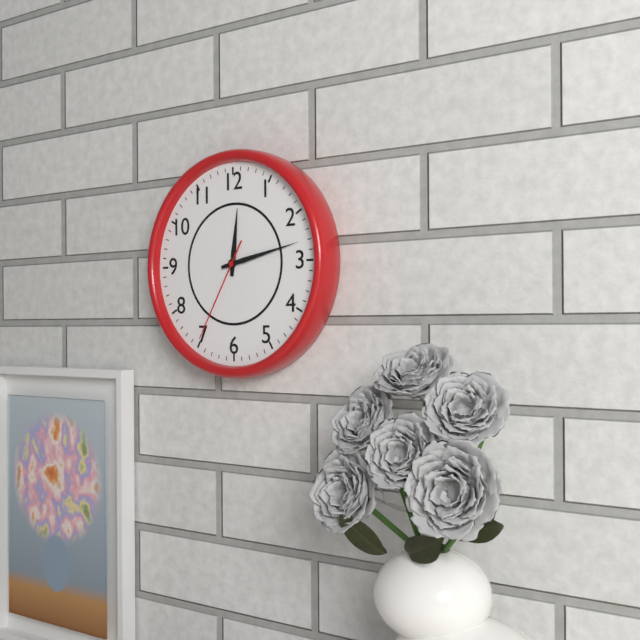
12h13m35s
